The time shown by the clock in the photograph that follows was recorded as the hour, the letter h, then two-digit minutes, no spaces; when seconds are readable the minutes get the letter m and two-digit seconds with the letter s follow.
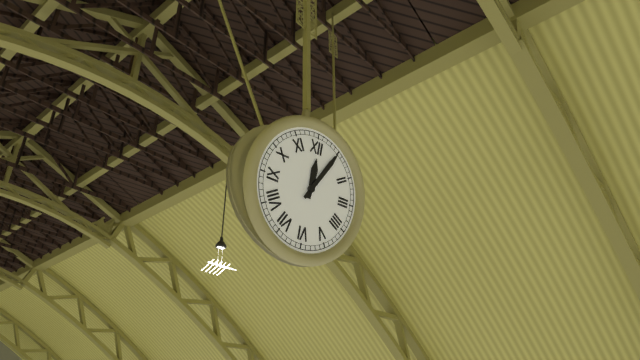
12h05
